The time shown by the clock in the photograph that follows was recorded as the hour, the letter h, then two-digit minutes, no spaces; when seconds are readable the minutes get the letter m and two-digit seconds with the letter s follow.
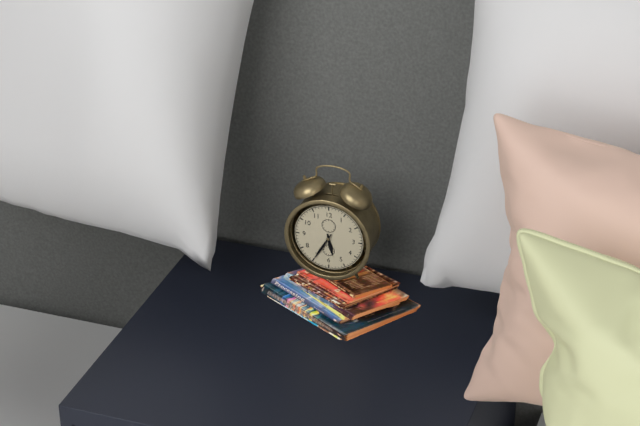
5h35
